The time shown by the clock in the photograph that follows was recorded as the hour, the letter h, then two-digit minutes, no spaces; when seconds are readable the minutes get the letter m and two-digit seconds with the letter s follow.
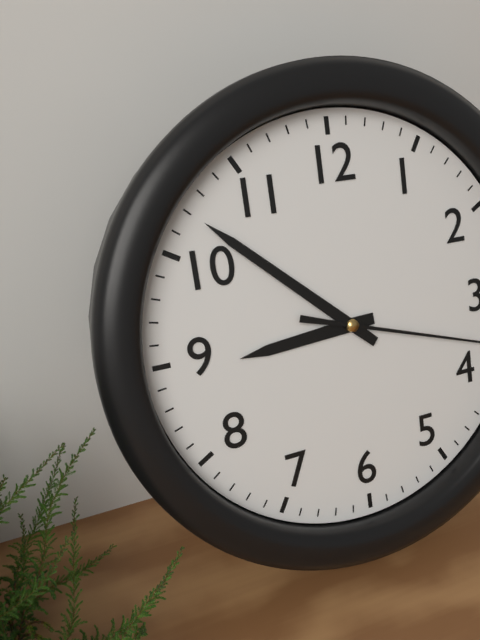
8h52
